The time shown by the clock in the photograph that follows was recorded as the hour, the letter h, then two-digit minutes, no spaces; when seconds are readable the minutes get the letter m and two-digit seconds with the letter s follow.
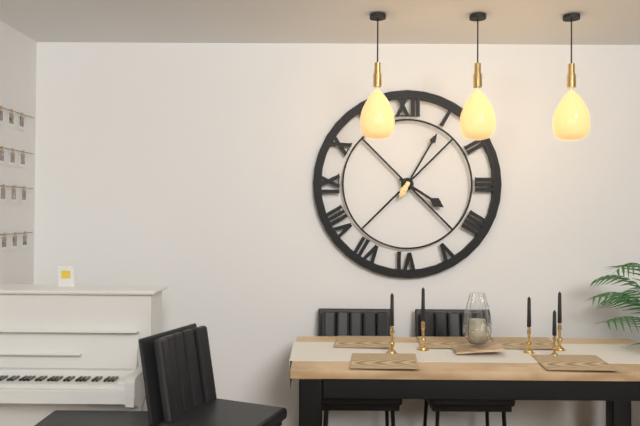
4h05
